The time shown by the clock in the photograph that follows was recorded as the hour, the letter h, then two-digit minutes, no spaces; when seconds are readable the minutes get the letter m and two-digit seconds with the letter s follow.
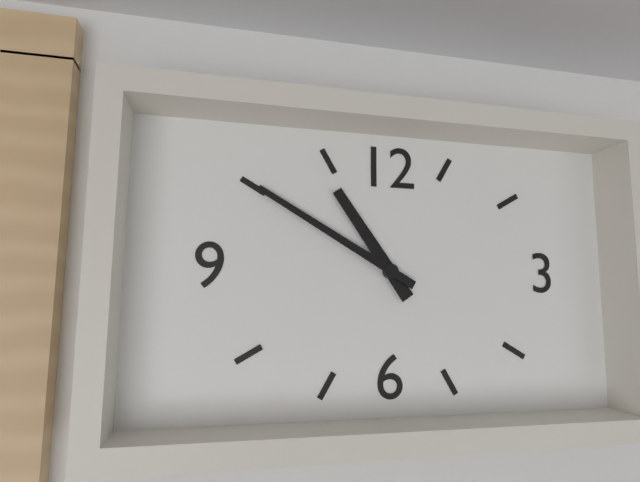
10h50
